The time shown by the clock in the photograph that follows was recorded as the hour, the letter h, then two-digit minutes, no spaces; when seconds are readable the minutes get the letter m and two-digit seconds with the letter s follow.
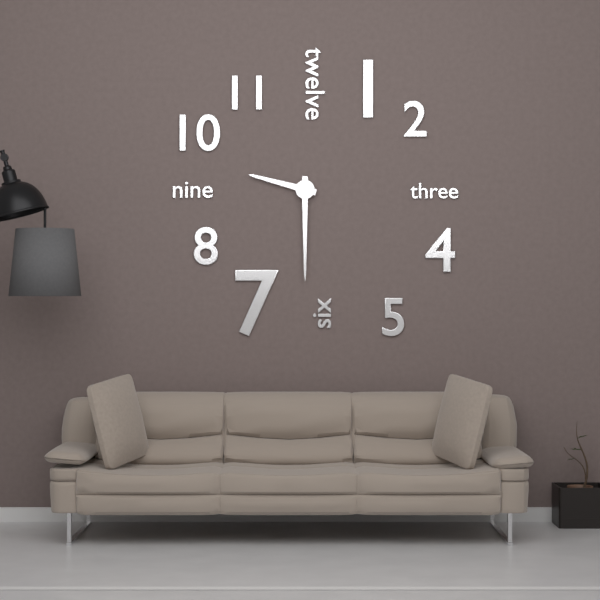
9h30
